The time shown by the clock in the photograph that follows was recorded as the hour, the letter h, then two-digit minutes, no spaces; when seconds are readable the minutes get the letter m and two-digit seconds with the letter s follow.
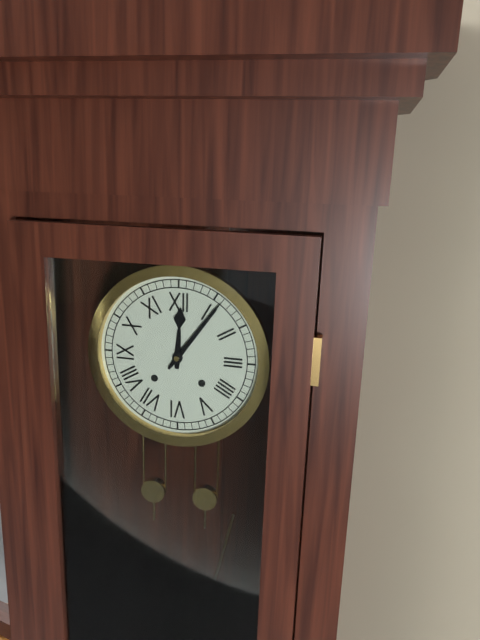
12h06
